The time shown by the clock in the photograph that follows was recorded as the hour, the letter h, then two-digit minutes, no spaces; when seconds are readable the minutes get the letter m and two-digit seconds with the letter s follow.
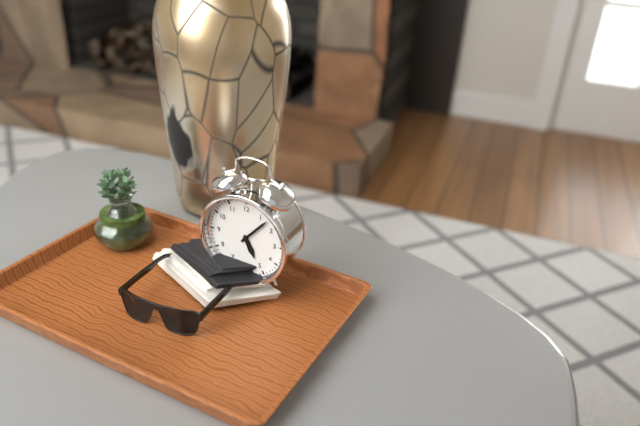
5h07
